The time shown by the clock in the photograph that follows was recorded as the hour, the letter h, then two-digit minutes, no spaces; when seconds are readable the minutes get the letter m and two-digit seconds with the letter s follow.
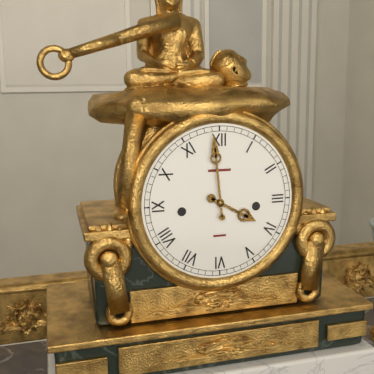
3h59
